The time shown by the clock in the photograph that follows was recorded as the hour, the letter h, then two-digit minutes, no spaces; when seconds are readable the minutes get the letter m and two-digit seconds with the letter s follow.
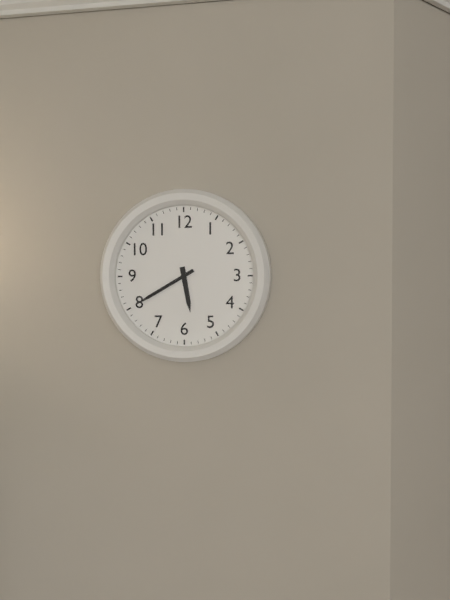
5h40
